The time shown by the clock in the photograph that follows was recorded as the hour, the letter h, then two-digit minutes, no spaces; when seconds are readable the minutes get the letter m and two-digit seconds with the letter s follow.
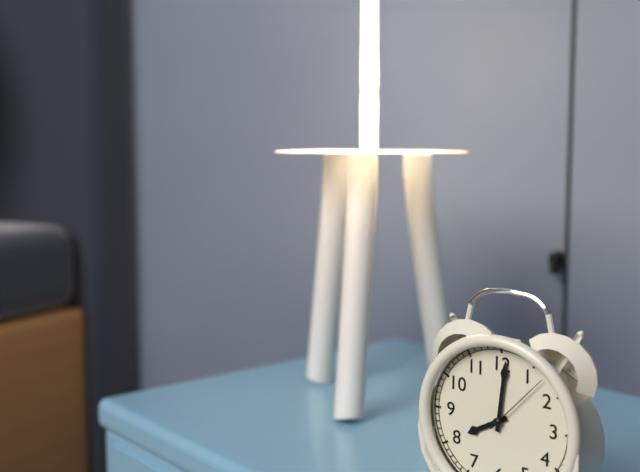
8h01m07s
